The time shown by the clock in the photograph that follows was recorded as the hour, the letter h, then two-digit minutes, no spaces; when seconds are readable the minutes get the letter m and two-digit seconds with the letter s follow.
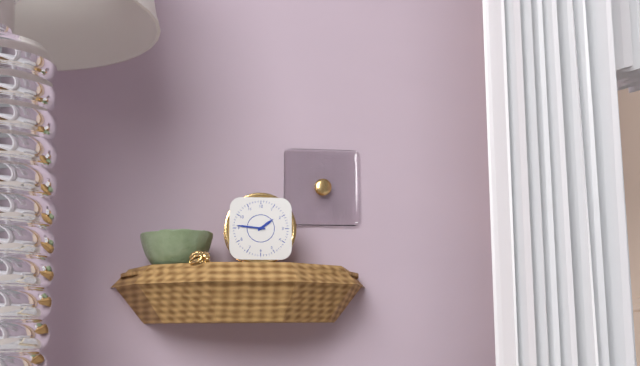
1h46
